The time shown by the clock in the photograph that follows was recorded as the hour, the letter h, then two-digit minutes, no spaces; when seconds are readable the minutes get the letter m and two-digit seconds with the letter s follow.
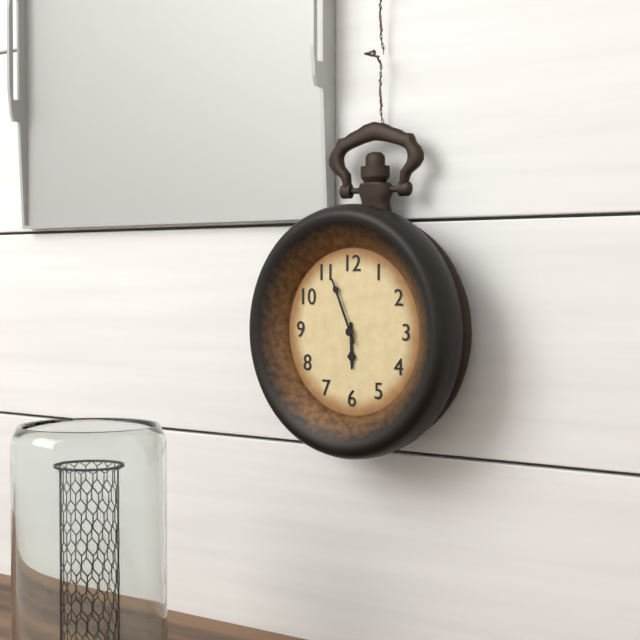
5h56
